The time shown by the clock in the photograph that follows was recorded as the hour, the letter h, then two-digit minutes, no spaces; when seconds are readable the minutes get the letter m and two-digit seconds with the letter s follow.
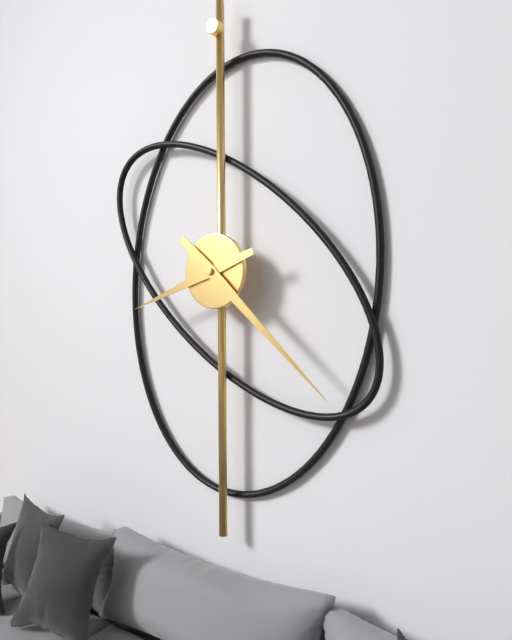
8h22
